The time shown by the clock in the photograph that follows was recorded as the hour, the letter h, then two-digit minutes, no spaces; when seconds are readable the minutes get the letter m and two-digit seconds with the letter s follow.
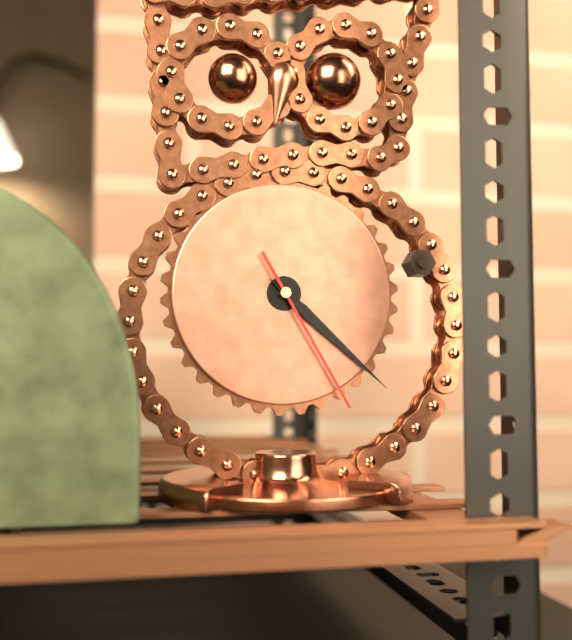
4h22m25s
